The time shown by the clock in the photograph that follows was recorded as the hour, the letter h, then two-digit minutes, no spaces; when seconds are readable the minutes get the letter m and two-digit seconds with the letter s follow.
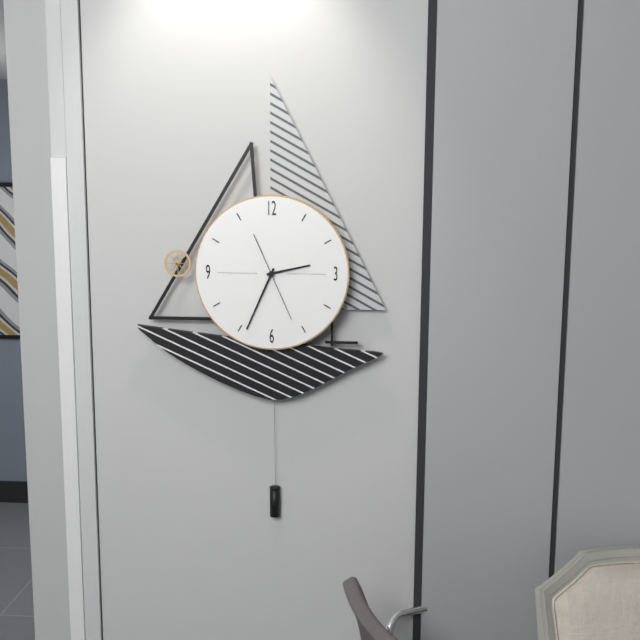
2h34m26s
